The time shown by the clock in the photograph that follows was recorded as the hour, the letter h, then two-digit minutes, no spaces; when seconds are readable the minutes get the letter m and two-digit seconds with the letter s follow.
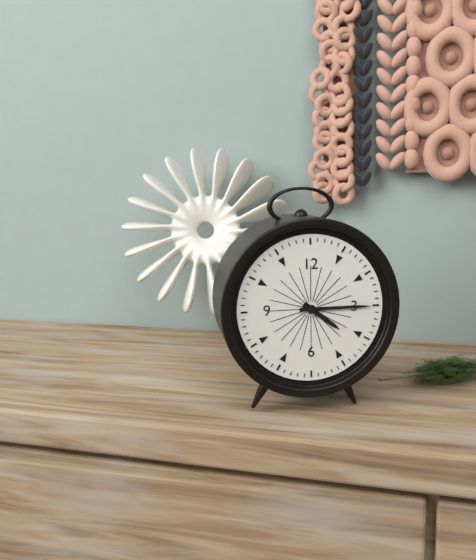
4h15
